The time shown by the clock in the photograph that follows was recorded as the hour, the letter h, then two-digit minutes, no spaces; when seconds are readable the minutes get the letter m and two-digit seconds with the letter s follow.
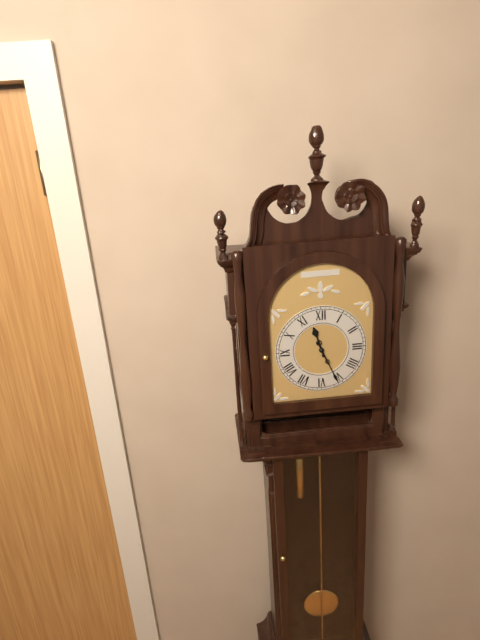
11h26
